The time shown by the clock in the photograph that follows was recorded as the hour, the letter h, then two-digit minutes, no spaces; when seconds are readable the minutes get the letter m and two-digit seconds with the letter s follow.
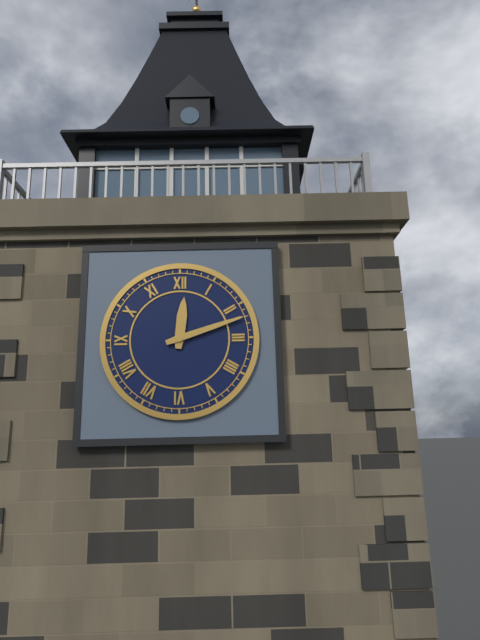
12h12
